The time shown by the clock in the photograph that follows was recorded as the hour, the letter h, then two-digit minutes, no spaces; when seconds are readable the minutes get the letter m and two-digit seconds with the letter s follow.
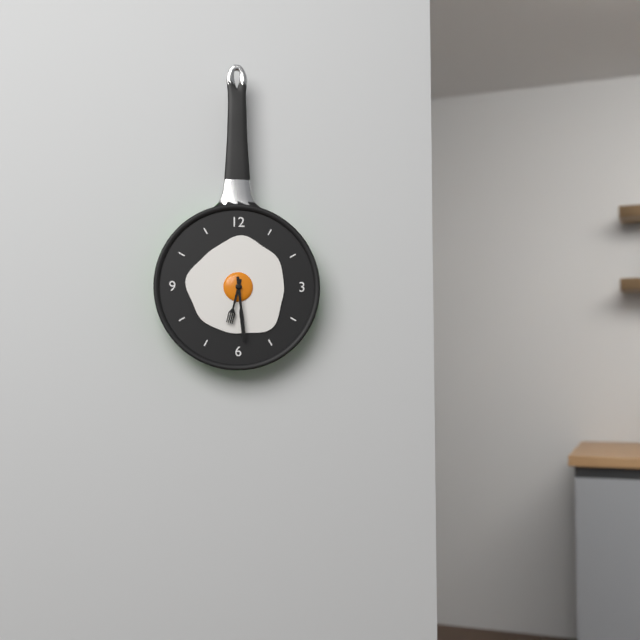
6h29
